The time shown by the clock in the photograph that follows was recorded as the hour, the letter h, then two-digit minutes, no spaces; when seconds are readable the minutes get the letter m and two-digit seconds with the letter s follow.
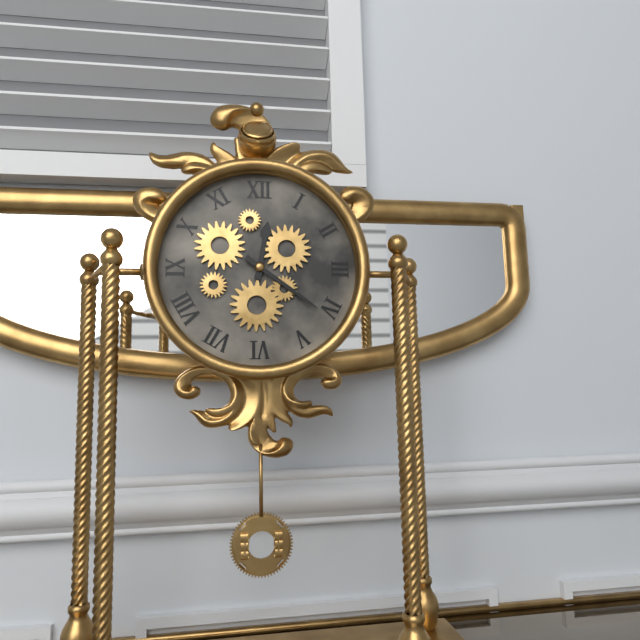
12h21
